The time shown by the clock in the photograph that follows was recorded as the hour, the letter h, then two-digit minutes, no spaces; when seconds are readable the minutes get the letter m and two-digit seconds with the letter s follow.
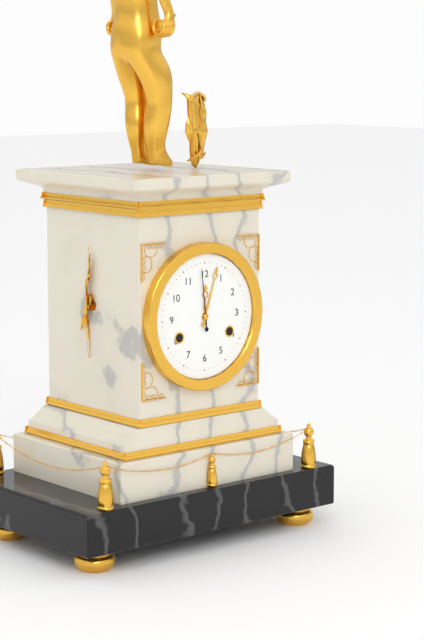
12h03m59s
